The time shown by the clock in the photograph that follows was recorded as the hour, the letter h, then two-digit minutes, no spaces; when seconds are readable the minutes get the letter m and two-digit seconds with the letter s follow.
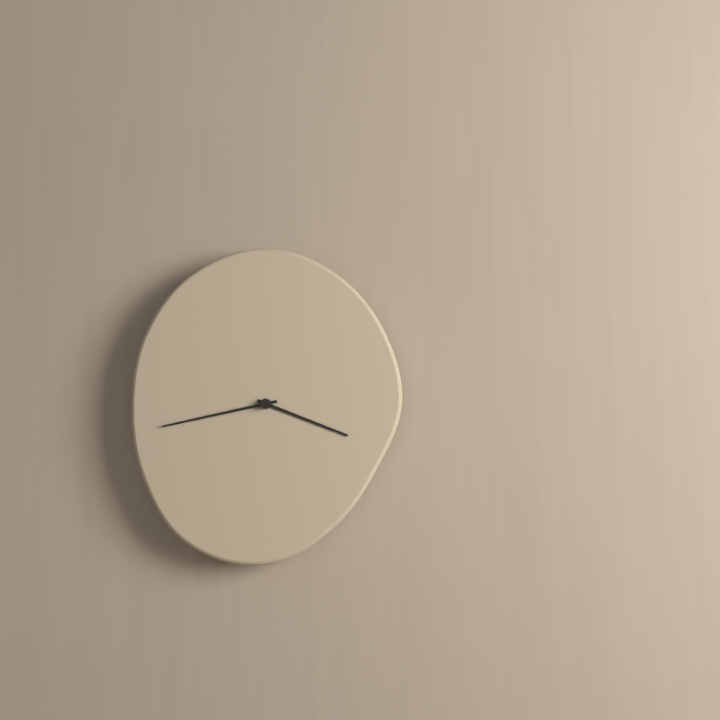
3h43
